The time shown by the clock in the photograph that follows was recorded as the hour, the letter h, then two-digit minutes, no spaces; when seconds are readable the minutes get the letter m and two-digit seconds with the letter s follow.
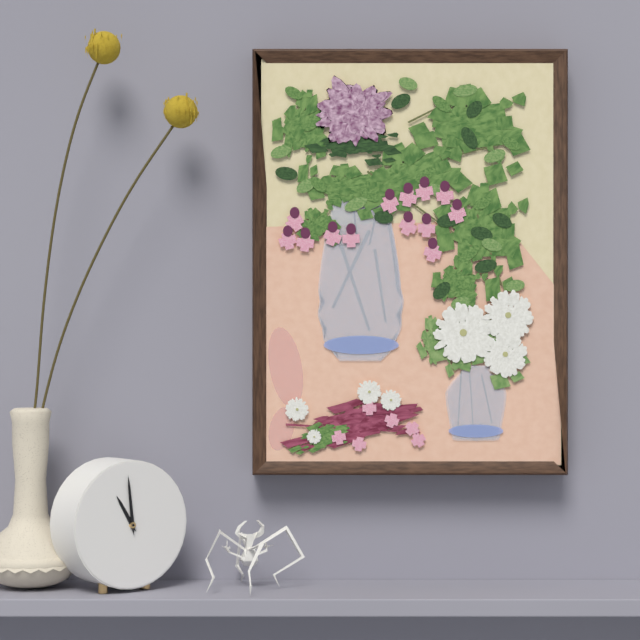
10h59
